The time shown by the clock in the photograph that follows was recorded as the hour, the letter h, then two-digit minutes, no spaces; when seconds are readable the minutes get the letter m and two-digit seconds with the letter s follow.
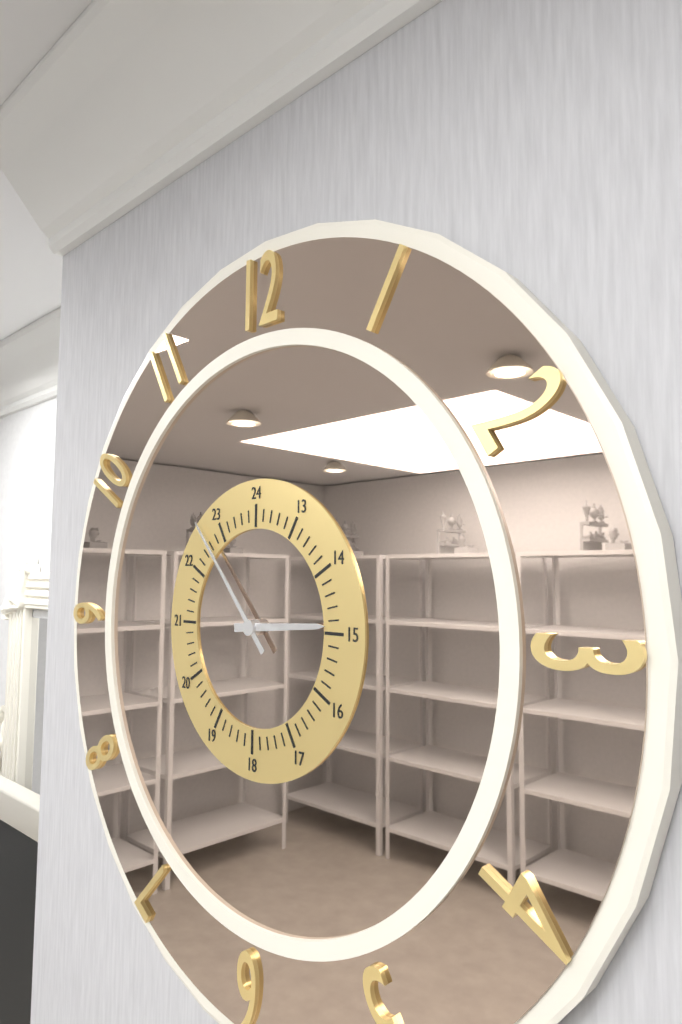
2h53
